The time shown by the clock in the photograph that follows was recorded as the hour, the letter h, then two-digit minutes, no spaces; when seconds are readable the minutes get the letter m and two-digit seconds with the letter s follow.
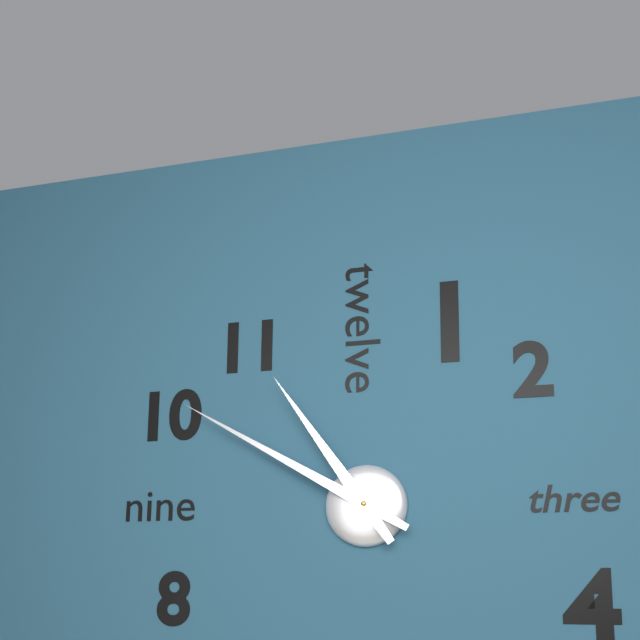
10h50
